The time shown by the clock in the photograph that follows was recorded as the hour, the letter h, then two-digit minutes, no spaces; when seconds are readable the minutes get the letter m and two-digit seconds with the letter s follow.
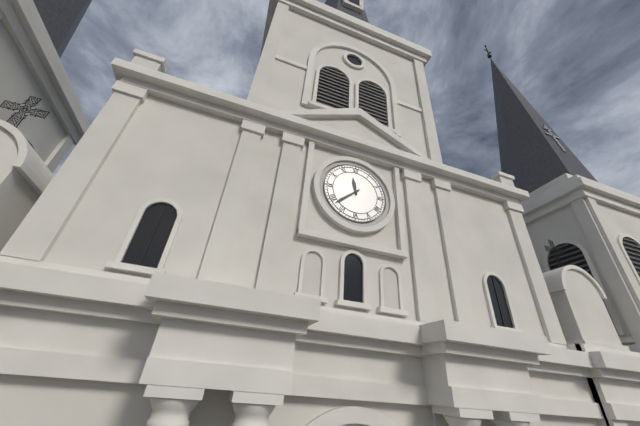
11h38
